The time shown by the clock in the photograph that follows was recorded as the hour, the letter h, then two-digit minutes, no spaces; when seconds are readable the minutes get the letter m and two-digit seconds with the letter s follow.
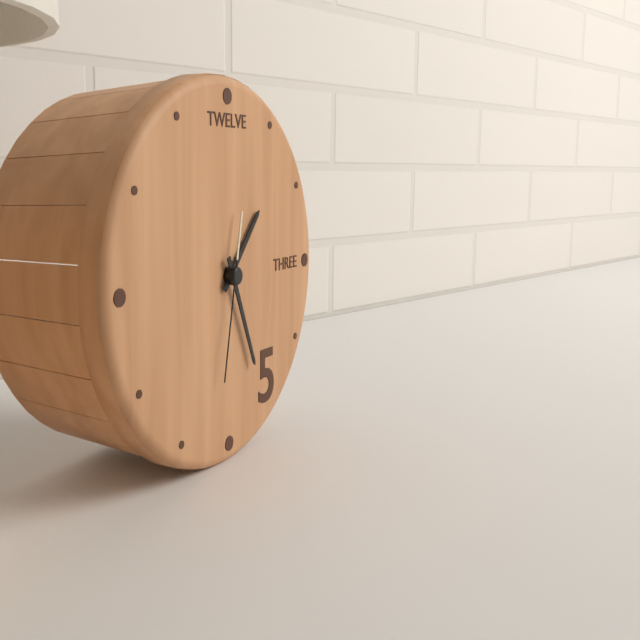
1h26m32s
